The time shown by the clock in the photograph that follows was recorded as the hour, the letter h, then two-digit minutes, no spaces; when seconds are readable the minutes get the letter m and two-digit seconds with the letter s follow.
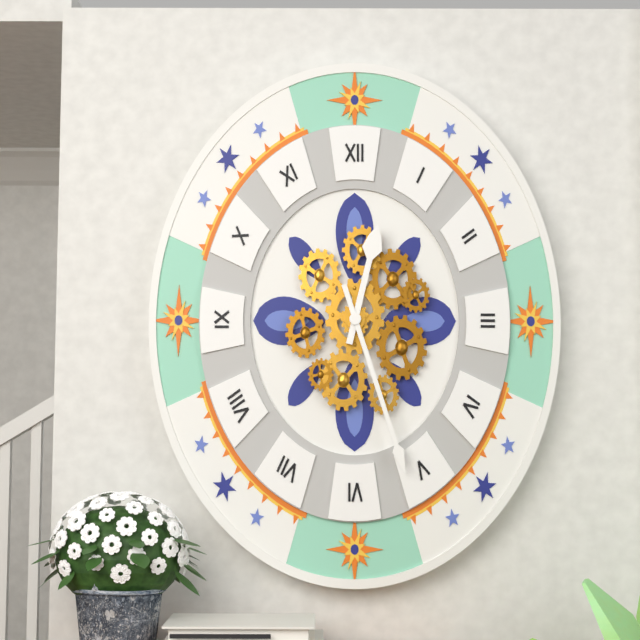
12h27
